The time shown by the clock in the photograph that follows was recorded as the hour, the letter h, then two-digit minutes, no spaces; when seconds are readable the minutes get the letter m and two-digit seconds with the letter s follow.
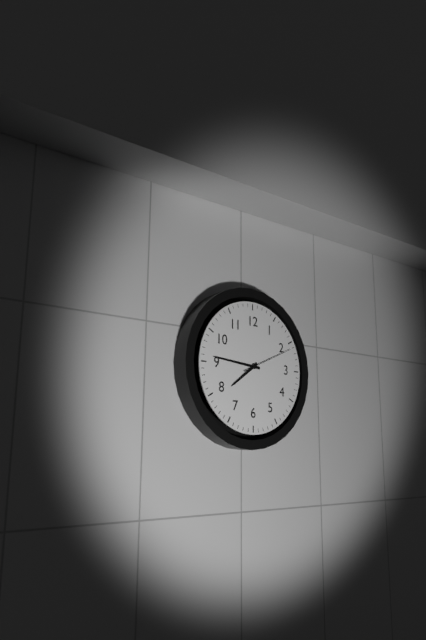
7h46m11s
